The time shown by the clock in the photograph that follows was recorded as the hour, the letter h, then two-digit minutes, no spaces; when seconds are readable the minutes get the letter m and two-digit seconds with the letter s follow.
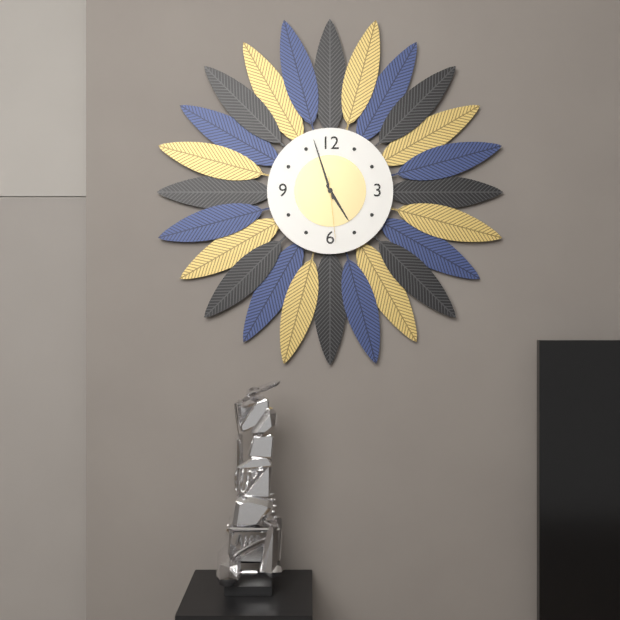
4h57m29s
